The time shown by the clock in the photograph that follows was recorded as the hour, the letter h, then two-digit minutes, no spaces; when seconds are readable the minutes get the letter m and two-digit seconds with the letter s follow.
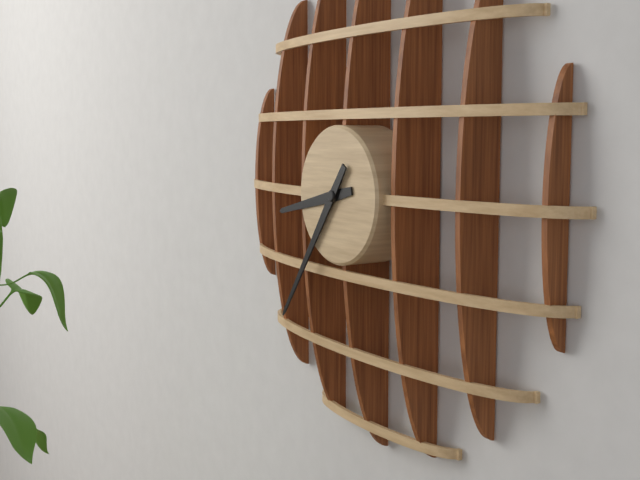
8h36
